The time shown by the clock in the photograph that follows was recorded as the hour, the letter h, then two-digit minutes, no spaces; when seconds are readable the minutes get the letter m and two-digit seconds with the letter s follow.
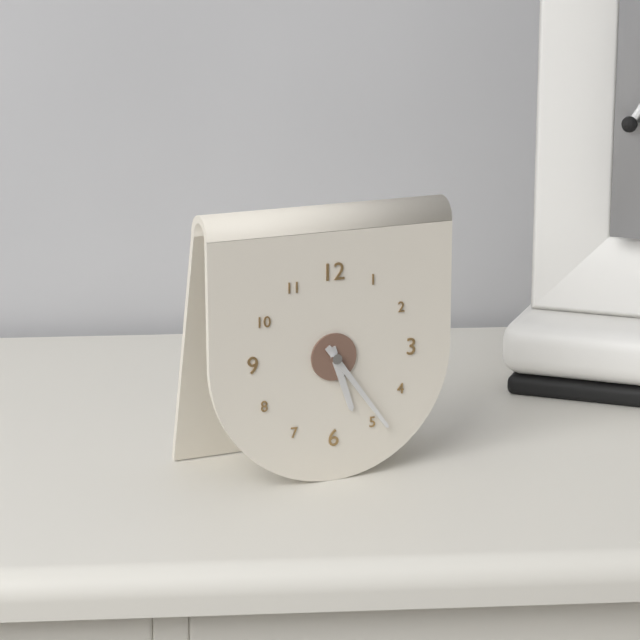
5h24
